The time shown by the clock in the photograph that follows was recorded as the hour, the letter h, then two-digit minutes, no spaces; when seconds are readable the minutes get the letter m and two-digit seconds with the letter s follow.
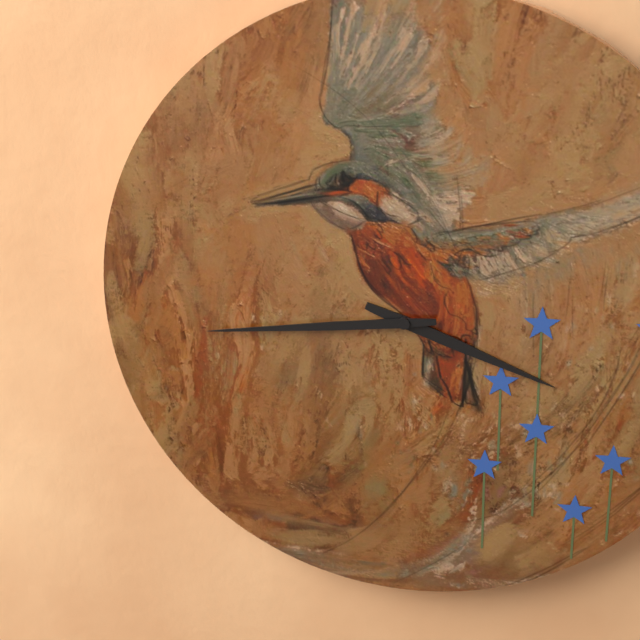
3h44
